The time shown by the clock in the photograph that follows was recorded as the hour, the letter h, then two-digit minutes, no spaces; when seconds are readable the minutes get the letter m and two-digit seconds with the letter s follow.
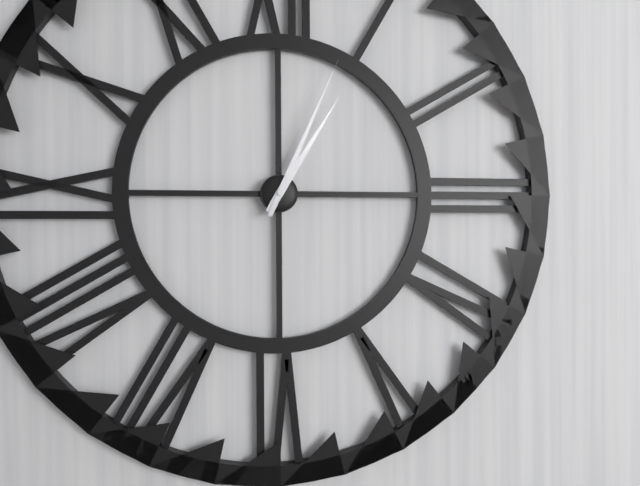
1h04
